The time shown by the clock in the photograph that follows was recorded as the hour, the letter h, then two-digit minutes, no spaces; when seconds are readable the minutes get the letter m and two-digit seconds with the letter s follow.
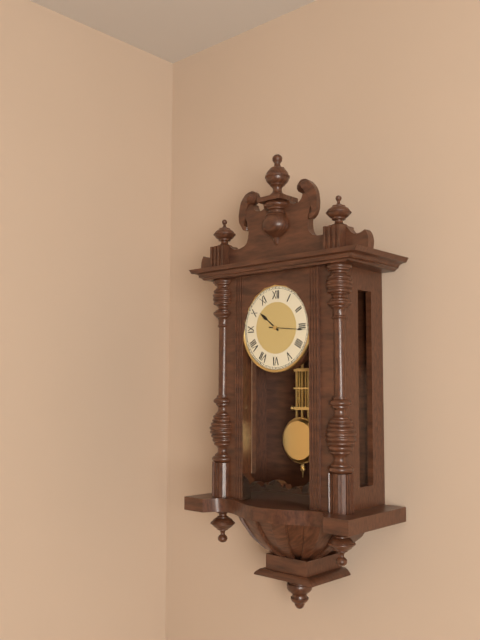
10h16
